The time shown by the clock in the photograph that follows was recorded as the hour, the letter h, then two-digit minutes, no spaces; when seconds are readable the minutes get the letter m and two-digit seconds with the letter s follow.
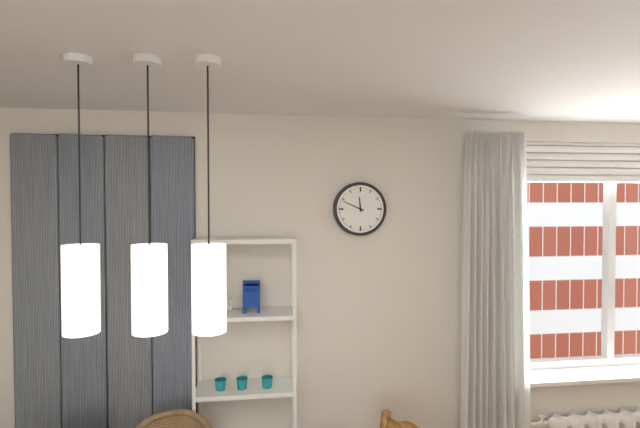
11h49
